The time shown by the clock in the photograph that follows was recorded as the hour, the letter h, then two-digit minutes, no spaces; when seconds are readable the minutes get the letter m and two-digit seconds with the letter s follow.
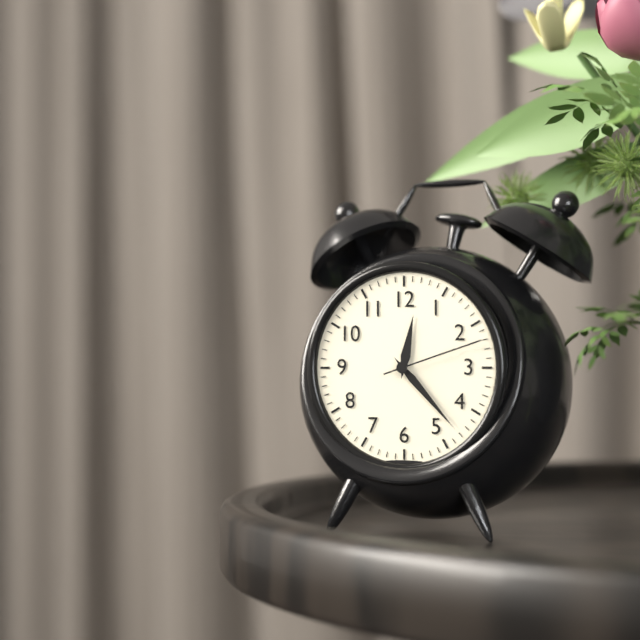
12h23m12s
